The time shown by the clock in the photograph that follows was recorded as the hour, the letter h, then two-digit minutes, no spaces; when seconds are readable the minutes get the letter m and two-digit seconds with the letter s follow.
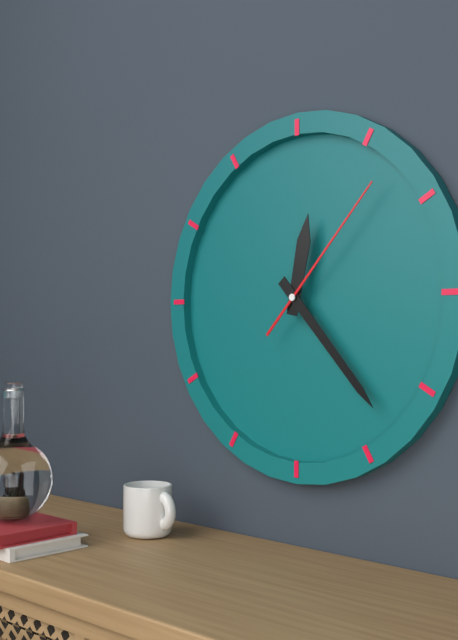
12h23m07s
